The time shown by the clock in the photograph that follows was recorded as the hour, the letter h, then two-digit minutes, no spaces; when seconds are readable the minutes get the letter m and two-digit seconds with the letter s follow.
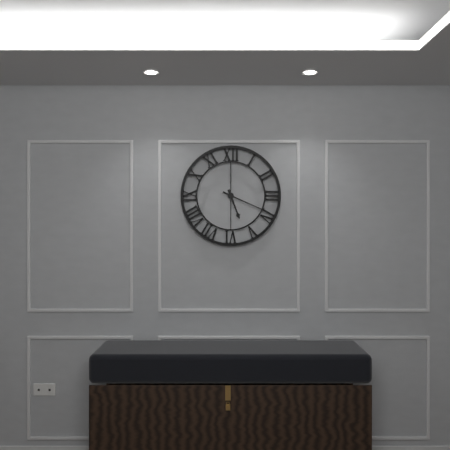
5h19
